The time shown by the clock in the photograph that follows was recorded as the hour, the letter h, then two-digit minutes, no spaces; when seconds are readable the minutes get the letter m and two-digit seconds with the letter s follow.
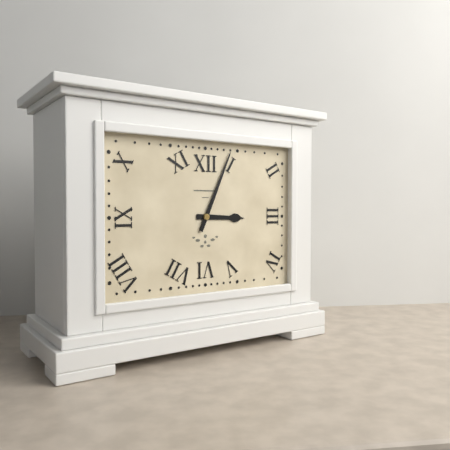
3h04
